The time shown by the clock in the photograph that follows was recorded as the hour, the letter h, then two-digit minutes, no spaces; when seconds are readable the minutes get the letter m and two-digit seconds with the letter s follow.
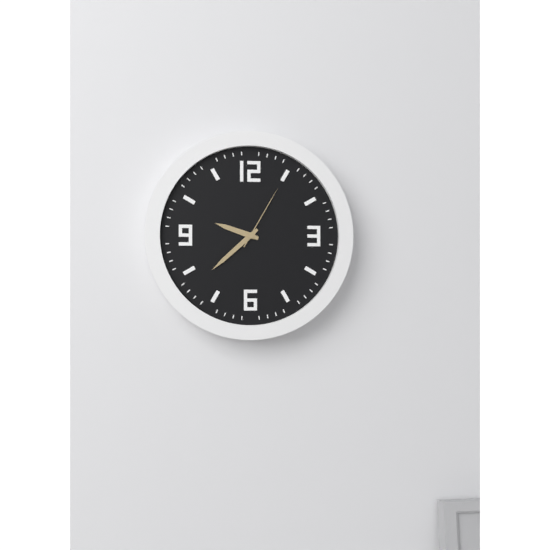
9h38m05s
